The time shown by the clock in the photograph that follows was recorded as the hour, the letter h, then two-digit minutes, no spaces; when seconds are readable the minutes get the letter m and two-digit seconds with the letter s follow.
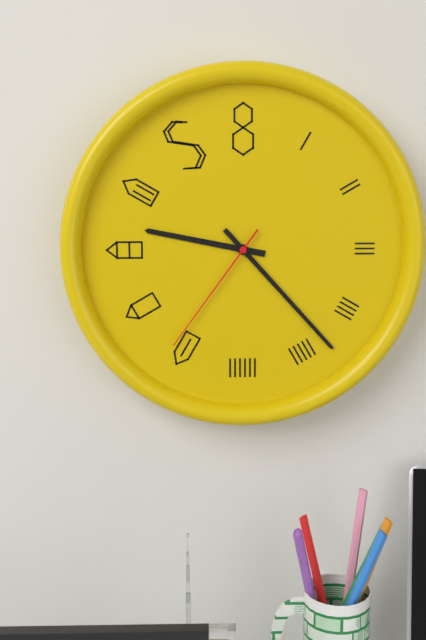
9h23m36s
